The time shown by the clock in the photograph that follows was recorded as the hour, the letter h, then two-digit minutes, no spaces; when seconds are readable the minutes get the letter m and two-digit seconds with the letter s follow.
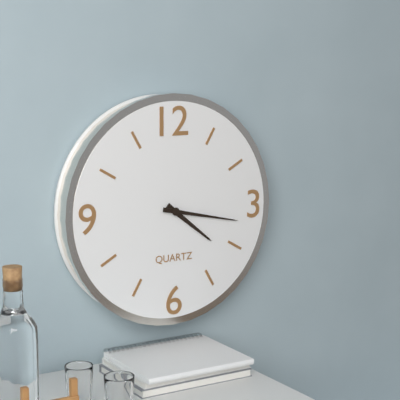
4h17
